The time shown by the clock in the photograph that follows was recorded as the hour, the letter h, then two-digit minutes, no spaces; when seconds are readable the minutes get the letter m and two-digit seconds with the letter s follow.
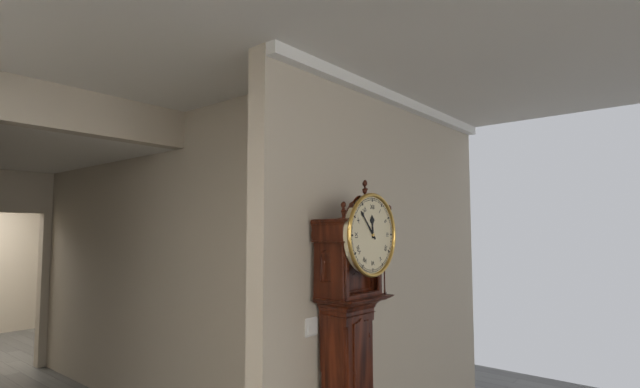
11h53
